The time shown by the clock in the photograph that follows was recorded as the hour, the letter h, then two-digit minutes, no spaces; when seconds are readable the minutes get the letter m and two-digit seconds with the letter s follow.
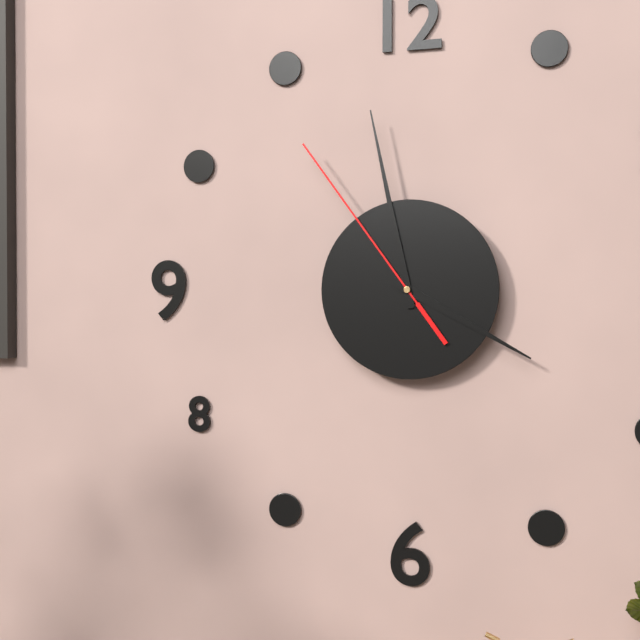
3h58m54s
